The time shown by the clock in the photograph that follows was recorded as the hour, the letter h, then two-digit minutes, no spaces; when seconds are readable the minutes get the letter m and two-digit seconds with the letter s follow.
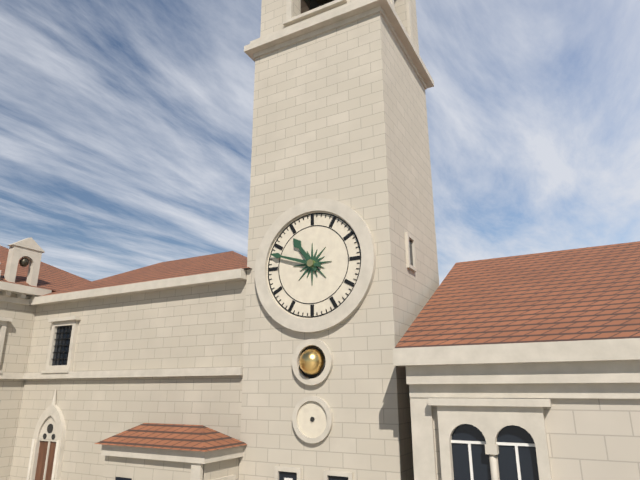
10h48
